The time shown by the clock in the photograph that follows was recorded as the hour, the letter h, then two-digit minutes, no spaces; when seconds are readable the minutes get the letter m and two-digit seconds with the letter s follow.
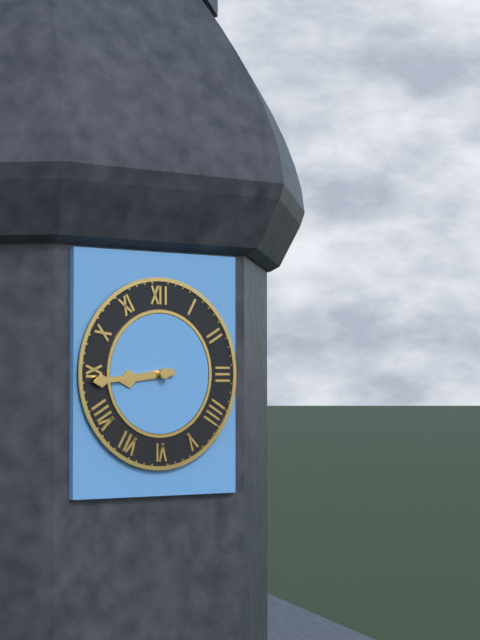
8h44
